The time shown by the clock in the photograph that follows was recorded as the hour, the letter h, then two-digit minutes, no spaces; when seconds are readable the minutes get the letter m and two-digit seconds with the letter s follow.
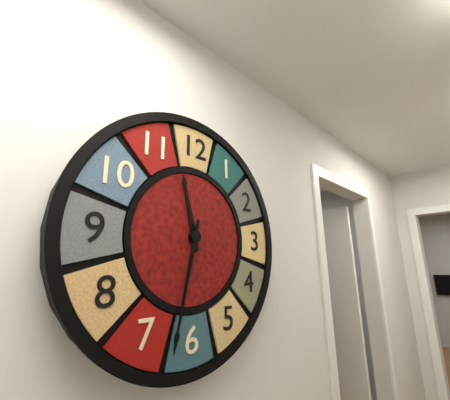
11h32
